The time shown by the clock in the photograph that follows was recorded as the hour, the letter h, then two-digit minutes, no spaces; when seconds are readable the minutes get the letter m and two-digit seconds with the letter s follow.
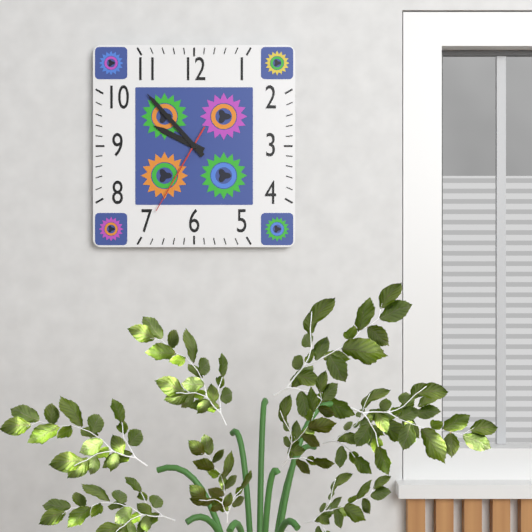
9h53m35s
